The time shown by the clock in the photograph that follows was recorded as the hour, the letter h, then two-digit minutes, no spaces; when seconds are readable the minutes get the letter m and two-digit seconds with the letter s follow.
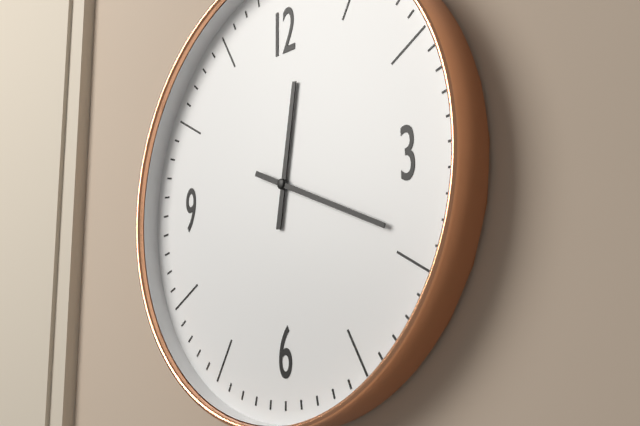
12h19
